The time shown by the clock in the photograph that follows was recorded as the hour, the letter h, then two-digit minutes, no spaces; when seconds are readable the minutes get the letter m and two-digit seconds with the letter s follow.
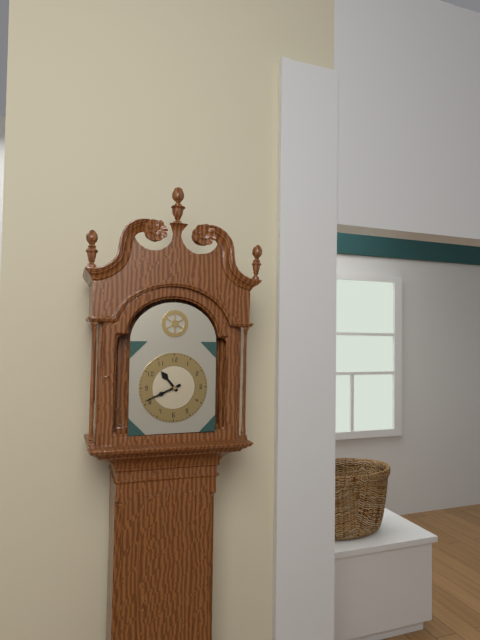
10h41
